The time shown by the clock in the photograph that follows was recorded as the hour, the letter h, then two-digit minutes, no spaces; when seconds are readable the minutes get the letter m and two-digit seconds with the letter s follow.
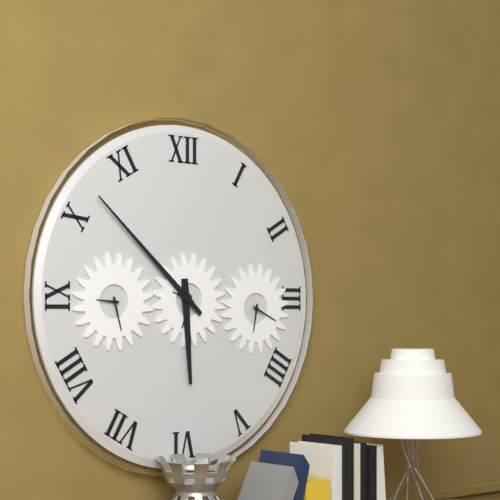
5h52
